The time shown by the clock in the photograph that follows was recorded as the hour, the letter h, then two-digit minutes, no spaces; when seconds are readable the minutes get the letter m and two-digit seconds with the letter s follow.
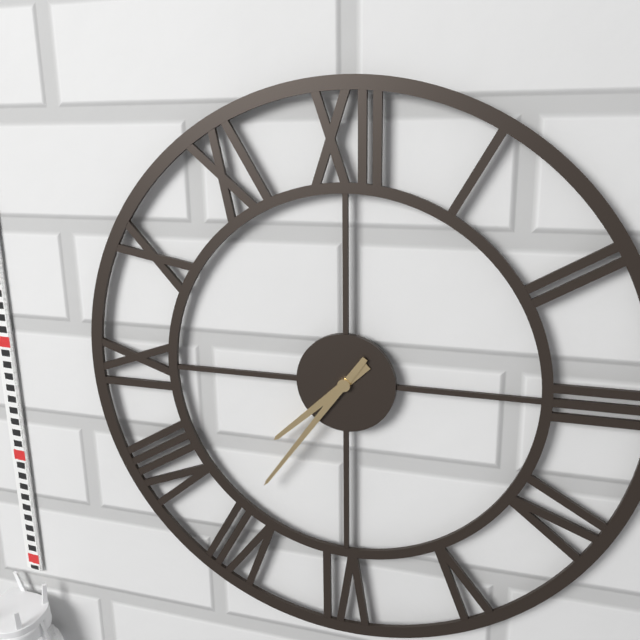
7h36
